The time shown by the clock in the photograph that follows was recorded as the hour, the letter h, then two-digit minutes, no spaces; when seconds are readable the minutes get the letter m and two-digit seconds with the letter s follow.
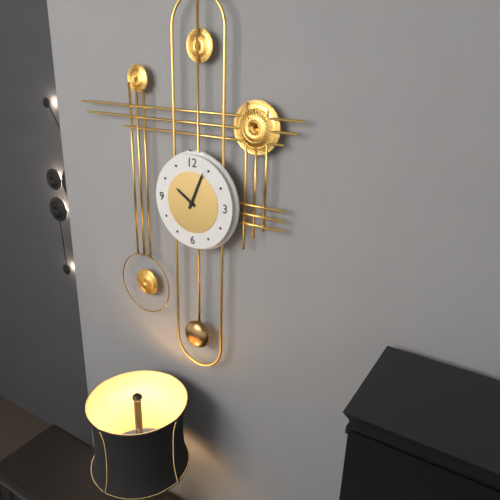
10h04
